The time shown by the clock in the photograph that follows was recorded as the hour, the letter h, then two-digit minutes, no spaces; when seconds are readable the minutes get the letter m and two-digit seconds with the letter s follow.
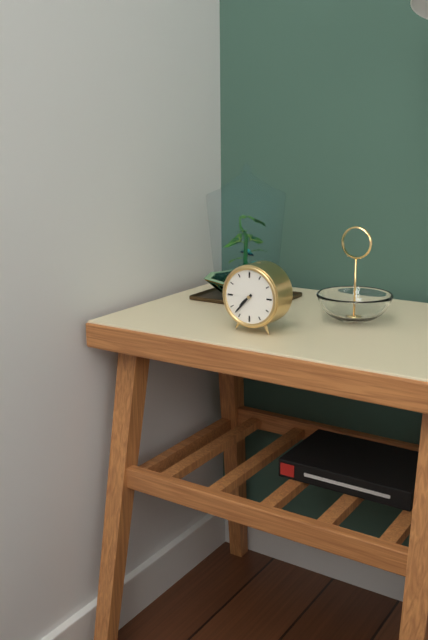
7h37
